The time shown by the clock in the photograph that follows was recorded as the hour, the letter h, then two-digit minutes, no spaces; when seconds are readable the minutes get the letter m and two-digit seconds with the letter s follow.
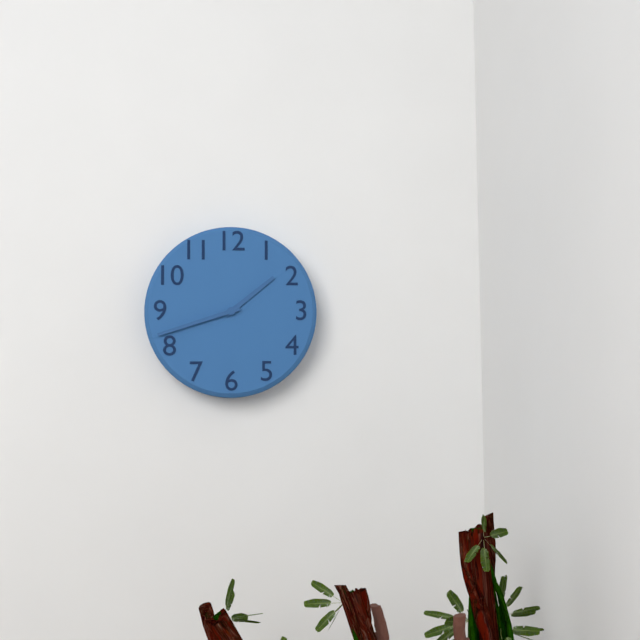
1h42
